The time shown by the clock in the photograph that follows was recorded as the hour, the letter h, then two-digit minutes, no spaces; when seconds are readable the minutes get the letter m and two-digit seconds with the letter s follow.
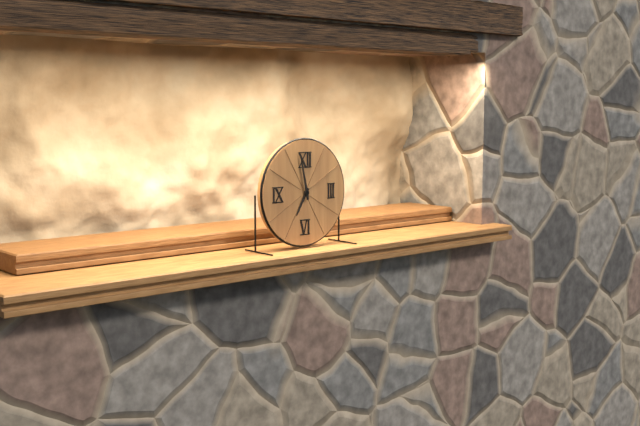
6h58
